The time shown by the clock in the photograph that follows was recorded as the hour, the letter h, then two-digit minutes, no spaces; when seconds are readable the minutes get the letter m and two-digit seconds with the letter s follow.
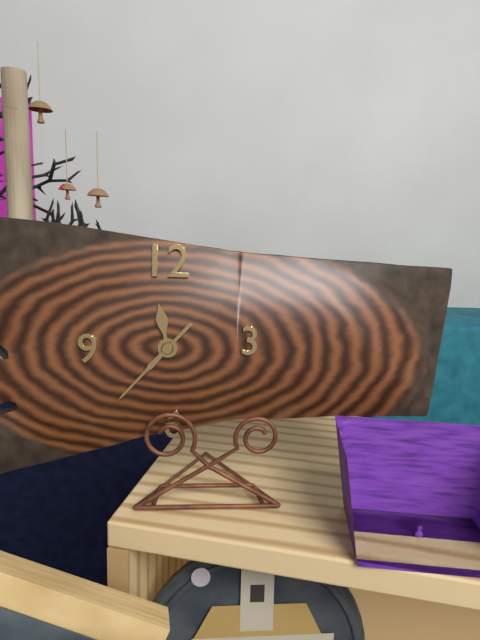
11h37
